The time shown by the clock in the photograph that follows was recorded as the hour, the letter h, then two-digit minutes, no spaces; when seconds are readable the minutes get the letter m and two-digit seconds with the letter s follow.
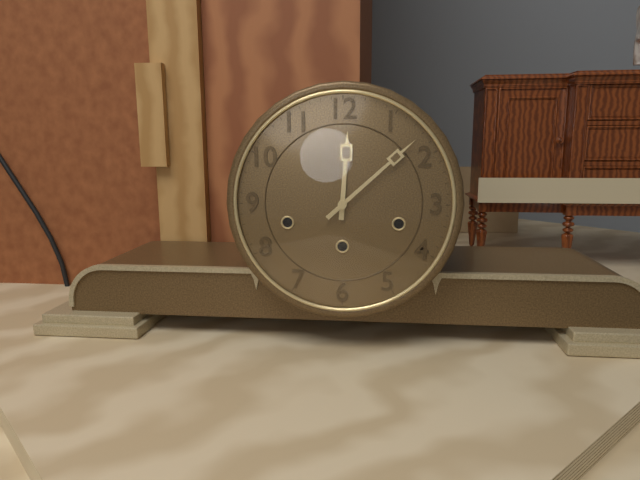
12h08
